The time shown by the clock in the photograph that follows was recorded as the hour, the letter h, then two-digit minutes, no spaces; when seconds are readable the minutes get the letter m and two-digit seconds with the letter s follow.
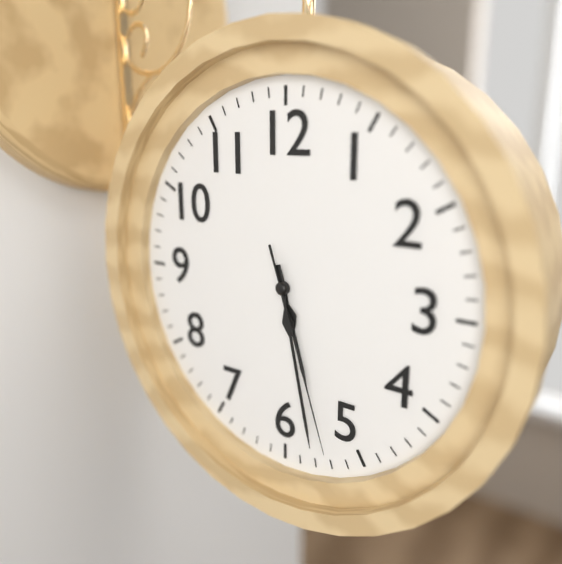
5h28m27s
